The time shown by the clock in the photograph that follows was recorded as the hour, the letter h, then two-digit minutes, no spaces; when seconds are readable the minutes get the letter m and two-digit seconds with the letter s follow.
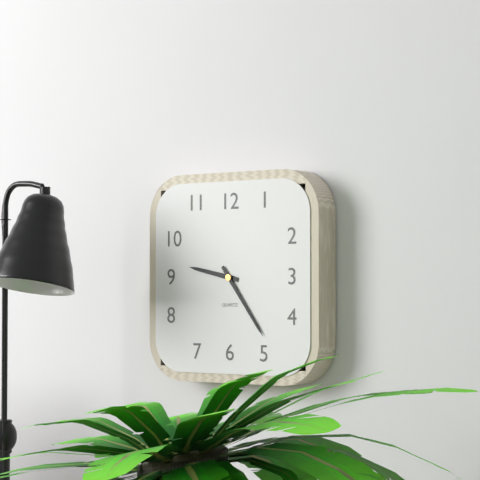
9h24
